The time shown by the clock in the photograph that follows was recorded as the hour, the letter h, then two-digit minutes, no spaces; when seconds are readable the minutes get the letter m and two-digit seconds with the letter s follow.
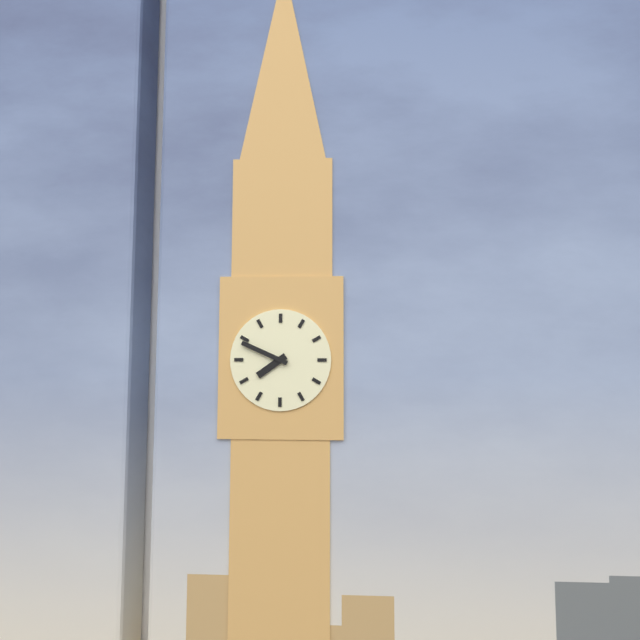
7h49
